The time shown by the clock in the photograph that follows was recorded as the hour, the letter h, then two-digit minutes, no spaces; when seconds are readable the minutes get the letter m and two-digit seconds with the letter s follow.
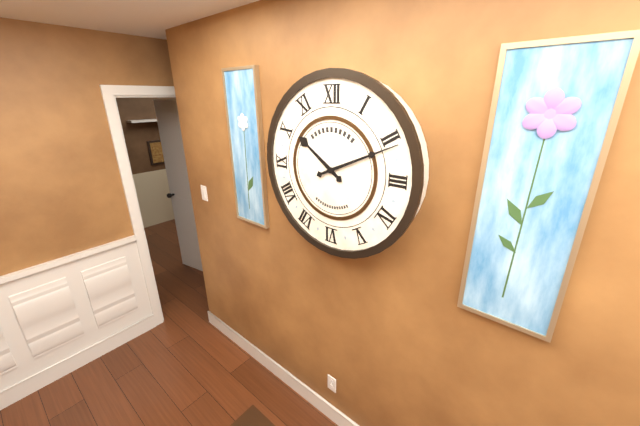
10h11
